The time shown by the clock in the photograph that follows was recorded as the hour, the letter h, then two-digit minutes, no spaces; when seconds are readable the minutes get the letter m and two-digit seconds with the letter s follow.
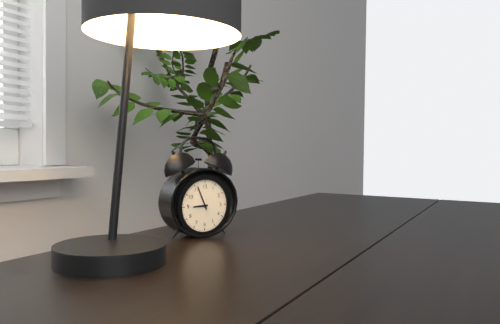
8h56
